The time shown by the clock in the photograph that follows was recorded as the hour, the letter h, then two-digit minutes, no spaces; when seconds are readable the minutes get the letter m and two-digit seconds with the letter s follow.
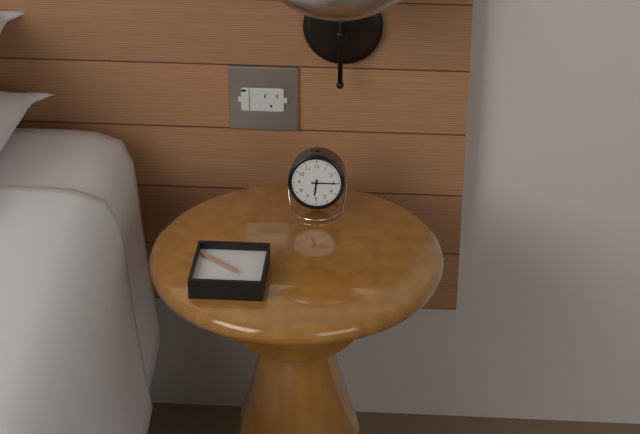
6h15
